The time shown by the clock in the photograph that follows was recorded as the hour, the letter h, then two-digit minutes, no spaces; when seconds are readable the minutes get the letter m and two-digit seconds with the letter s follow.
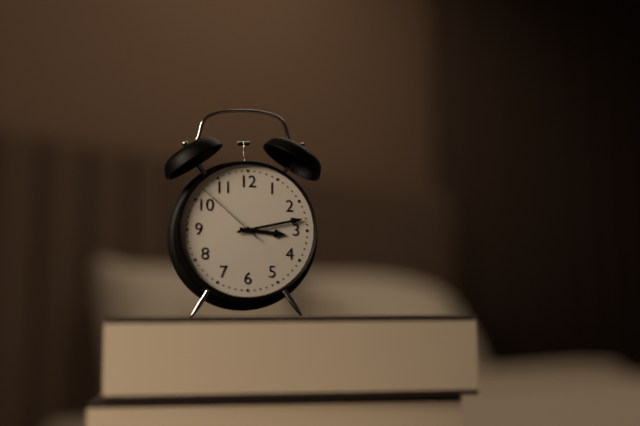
3h13m52s
